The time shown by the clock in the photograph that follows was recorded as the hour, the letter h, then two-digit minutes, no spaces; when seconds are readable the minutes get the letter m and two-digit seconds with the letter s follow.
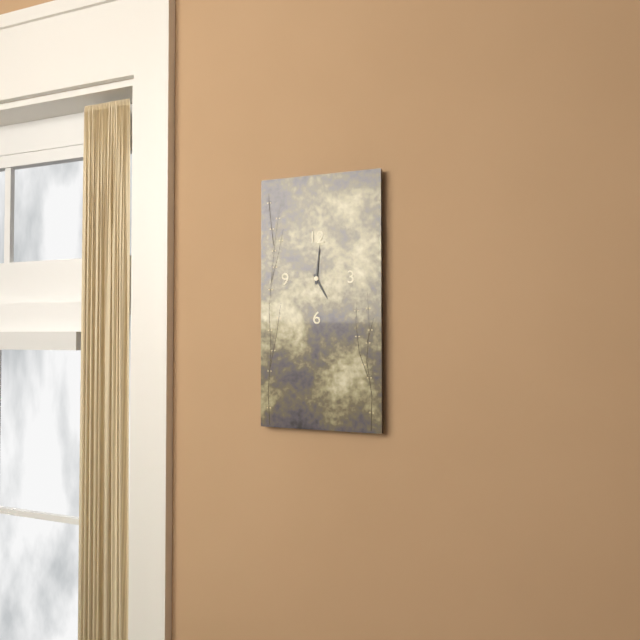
5h01
